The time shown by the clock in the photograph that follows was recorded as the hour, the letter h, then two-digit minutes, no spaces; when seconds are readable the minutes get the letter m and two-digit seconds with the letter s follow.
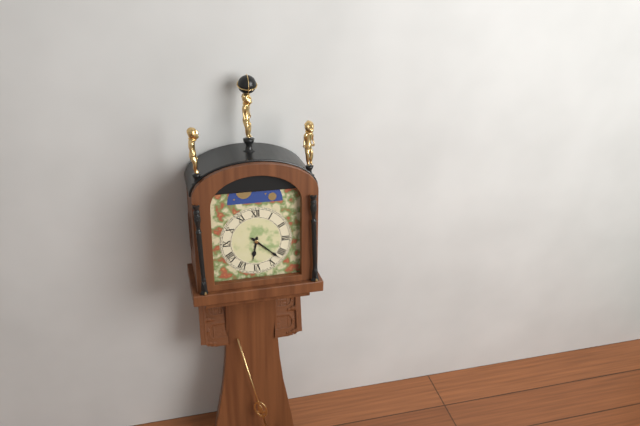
6h22
